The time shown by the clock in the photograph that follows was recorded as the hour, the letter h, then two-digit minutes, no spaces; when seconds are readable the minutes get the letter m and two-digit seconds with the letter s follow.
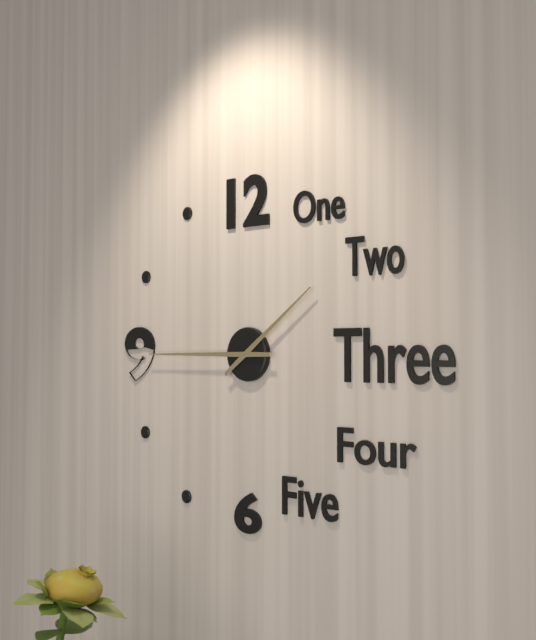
1h45
